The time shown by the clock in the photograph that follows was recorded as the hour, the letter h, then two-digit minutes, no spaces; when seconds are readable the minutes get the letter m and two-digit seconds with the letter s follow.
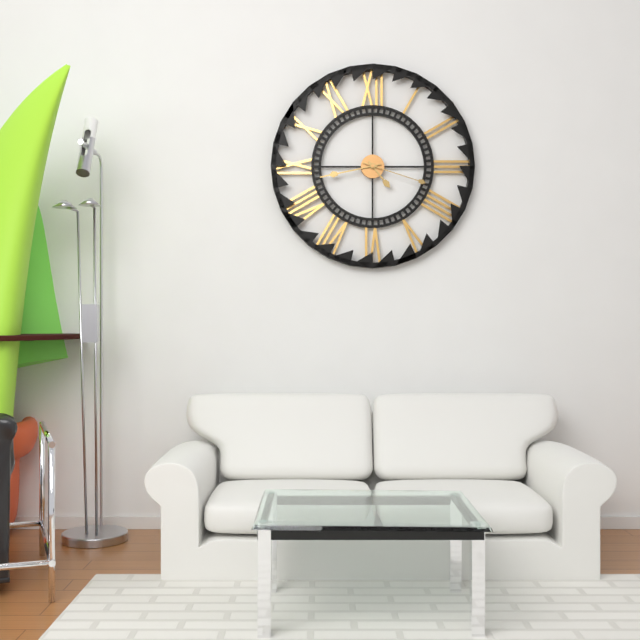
4h43m18s
